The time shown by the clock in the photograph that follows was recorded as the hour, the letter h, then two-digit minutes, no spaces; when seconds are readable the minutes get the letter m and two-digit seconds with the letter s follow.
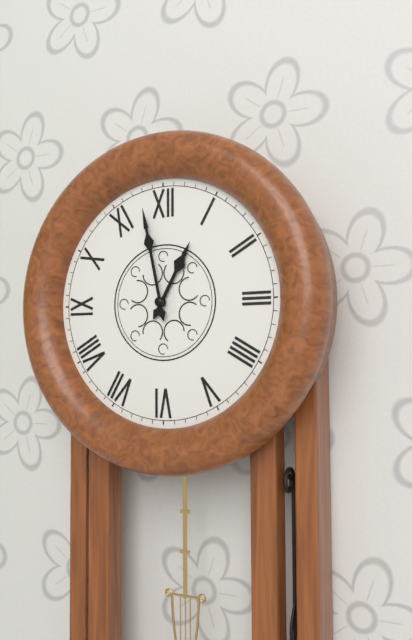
12h58
